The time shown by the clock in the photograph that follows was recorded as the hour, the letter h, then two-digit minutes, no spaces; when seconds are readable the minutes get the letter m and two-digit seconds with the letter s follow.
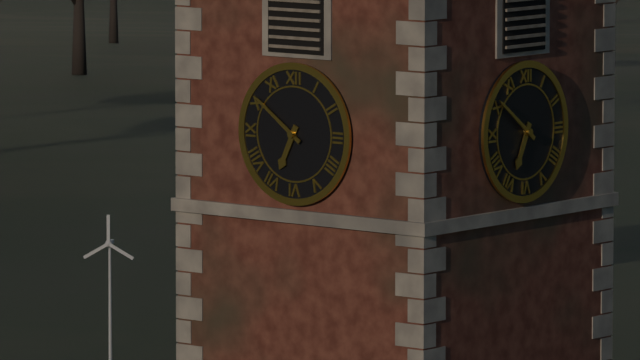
6h51
